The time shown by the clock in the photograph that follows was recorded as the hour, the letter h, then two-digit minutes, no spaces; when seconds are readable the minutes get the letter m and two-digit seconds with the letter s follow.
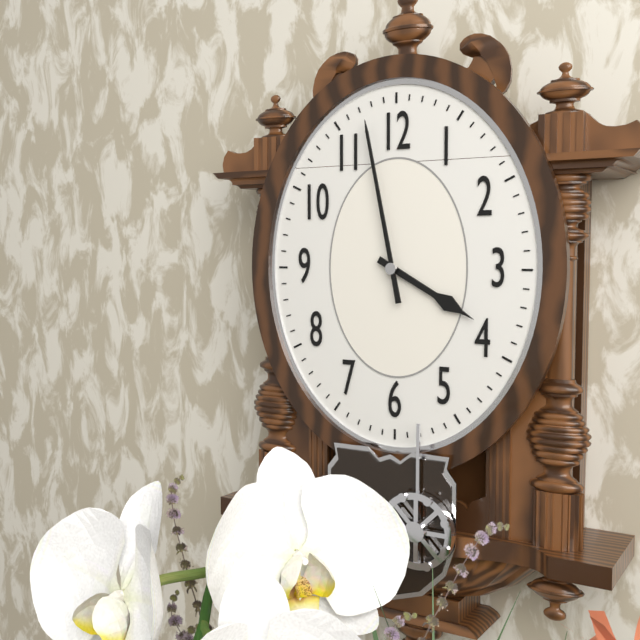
3h58
